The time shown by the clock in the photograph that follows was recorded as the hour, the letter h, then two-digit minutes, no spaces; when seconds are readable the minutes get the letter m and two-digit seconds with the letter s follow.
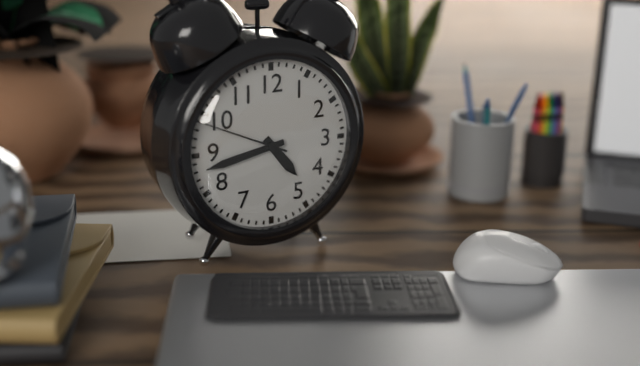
4h43m49s
